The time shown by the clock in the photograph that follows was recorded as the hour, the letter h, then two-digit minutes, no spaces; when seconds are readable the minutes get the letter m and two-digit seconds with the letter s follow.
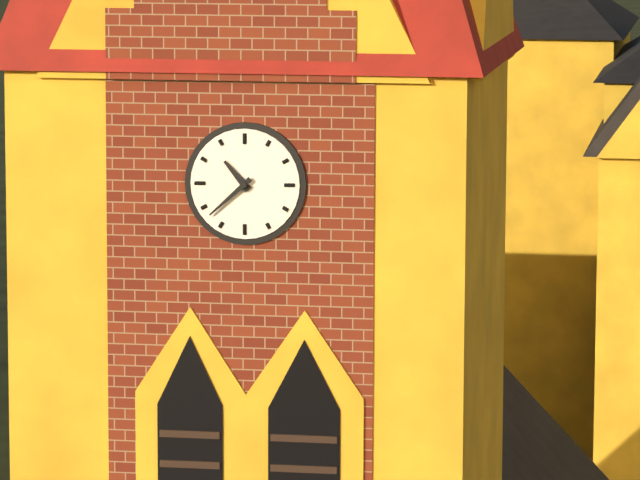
10h38
